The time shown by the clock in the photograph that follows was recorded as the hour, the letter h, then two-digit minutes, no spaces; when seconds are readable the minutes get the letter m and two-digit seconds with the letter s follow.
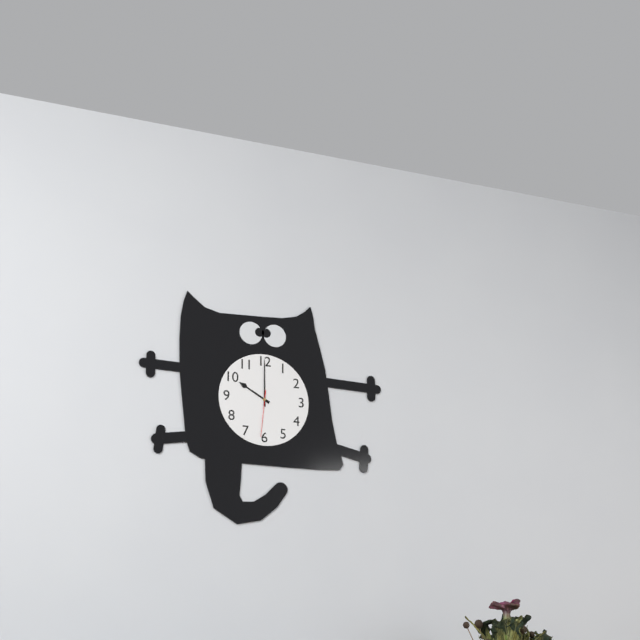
10h00
